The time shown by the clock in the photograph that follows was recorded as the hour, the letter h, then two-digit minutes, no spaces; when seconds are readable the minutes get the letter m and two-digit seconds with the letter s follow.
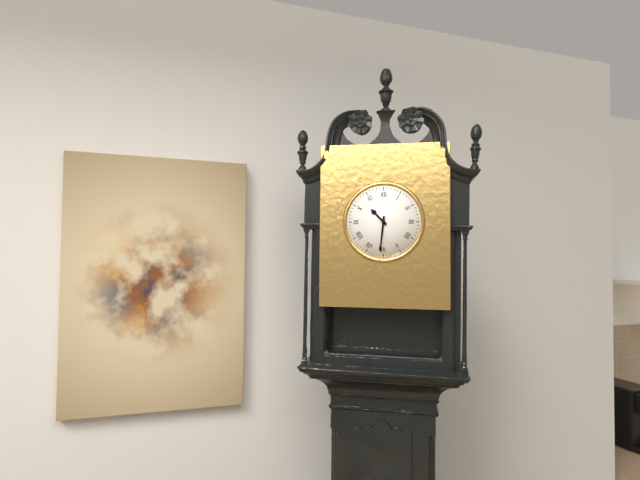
10h31
